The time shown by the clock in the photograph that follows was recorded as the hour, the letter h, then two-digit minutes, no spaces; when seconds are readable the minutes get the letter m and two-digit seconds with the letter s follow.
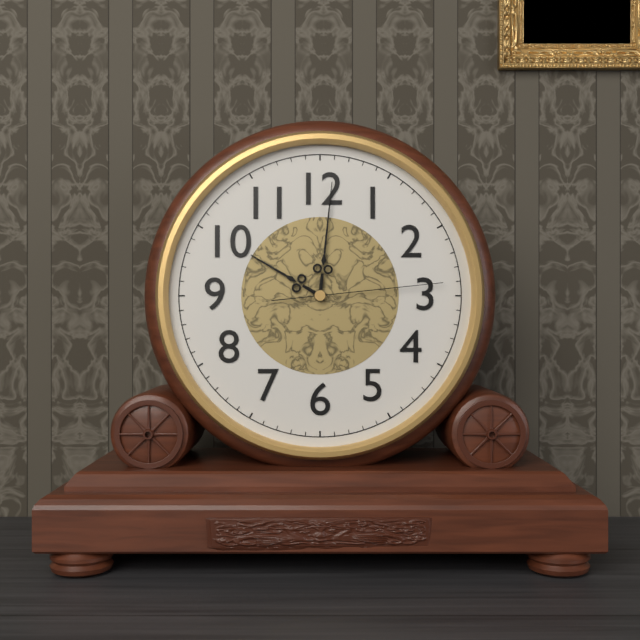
10h01m14s
